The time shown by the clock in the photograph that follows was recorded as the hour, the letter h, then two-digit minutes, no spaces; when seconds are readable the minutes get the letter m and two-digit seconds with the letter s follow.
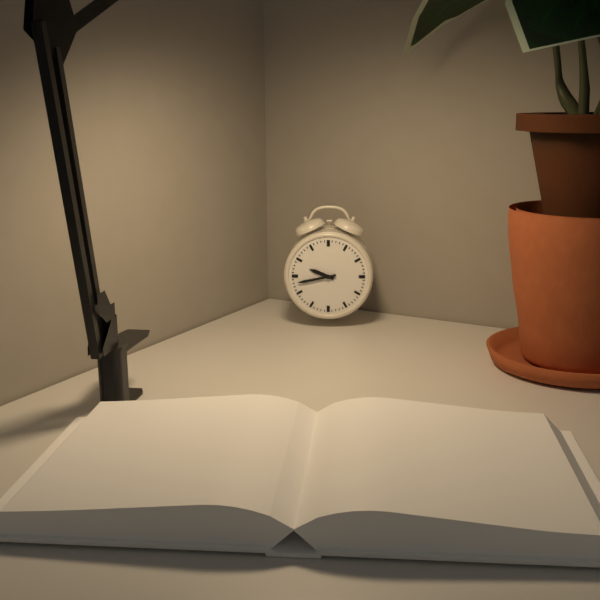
9h43
